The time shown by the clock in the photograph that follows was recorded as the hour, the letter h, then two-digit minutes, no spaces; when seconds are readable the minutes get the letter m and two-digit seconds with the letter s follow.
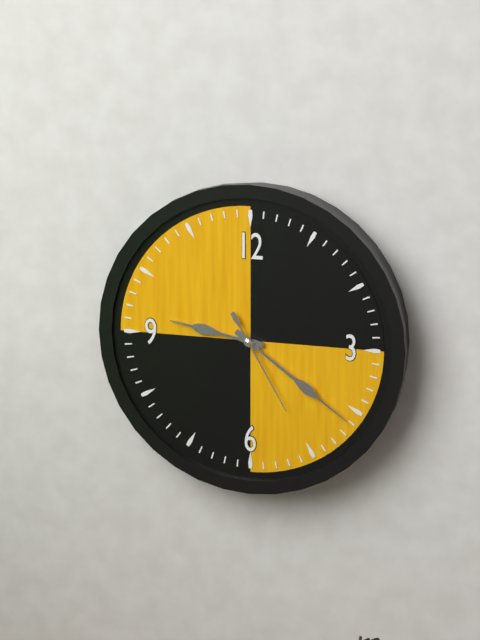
9h21m25s
